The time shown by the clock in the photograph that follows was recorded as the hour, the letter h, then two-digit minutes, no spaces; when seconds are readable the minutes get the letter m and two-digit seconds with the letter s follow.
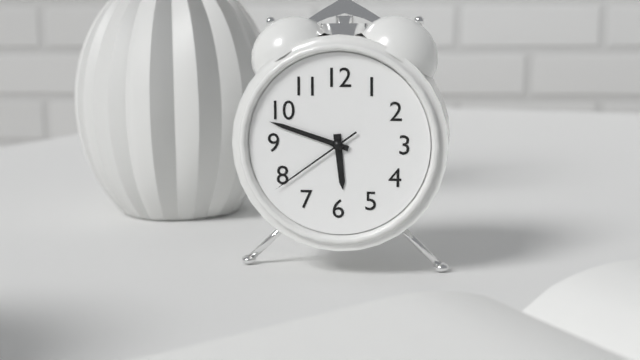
5h48m39s
